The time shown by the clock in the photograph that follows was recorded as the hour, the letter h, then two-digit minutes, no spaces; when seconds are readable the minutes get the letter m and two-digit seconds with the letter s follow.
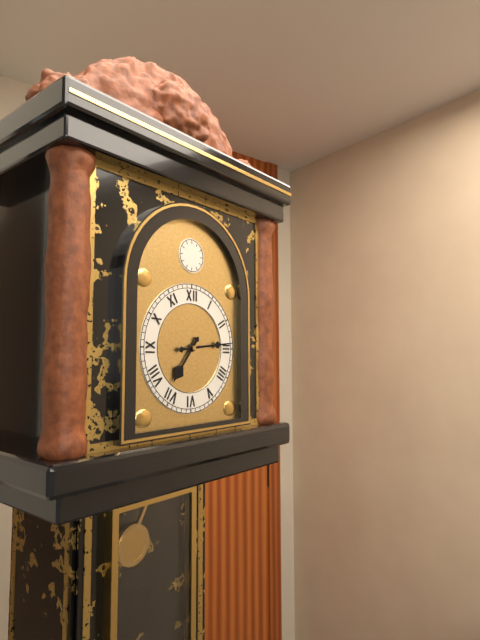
7h14
